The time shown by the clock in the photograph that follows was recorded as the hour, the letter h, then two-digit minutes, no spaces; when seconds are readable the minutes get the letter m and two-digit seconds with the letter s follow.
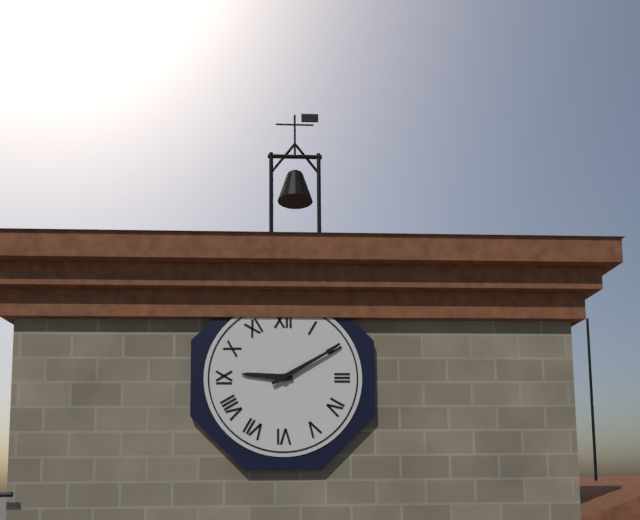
9h10
